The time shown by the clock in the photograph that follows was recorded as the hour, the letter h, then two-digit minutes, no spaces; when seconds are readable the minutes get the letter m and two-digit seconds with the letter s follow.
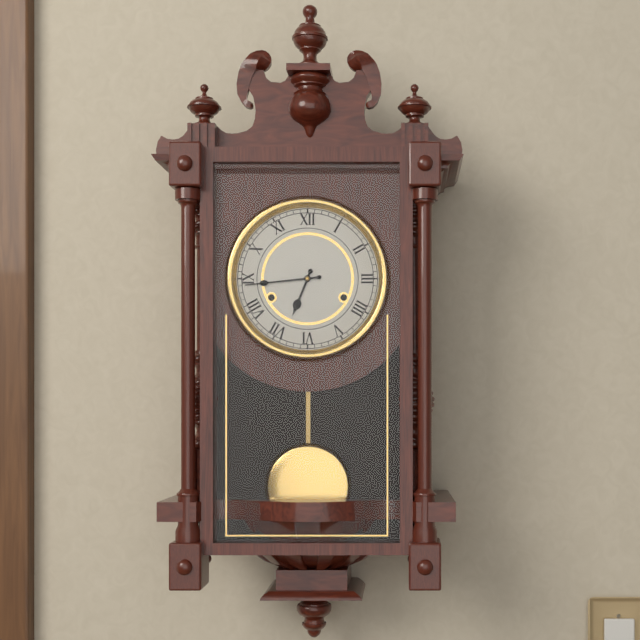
6h44
